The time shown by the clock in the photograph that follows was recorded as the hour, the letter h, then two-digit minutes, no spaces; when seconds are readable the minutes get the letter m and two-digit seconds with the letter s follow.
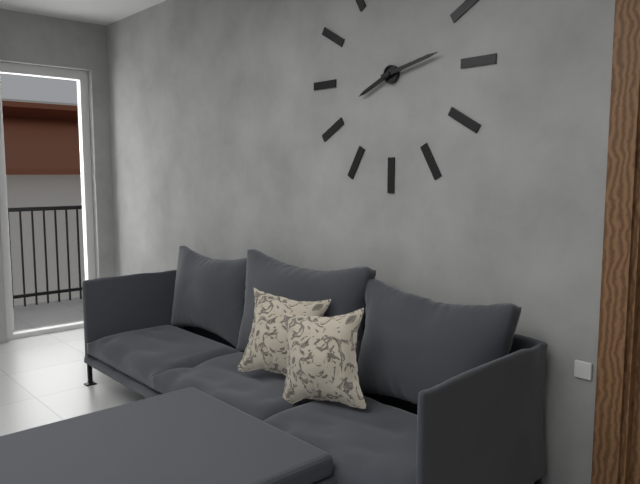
8h13
